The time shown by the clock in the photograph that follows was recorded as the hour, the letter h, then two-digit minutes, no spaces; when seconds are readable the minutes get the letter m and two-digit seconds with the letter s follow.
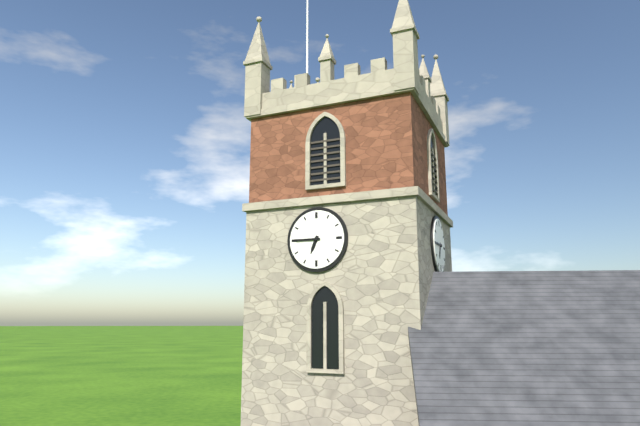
6h45
